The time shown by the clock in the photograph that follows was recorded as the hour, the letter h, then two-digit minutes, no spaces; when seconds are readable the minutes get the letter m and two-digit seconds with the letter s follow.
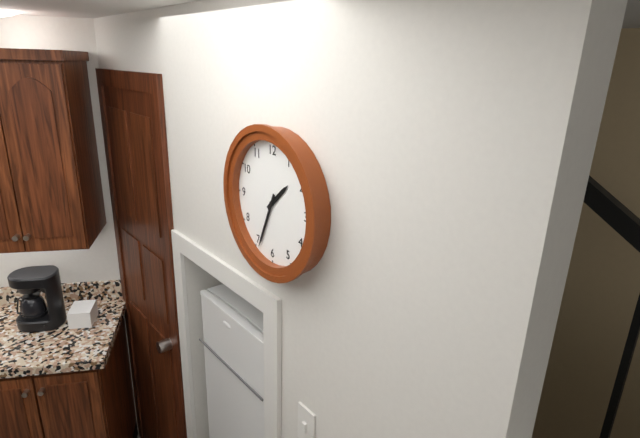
1h34
